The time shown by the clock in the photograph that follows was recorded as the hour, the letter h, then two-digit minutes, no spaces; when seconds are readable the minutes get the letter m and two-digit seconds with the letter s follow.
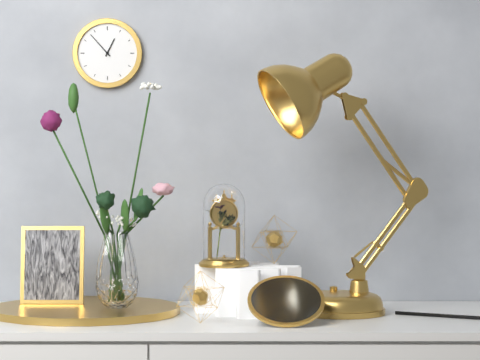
12h53
